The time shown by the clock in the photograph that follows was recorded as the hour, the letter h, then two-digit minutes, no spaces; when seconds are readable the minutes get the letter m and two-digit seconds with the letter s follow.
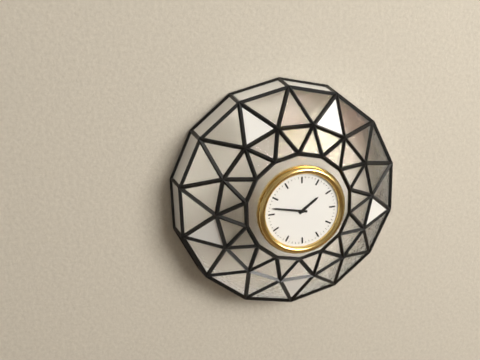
1h47
